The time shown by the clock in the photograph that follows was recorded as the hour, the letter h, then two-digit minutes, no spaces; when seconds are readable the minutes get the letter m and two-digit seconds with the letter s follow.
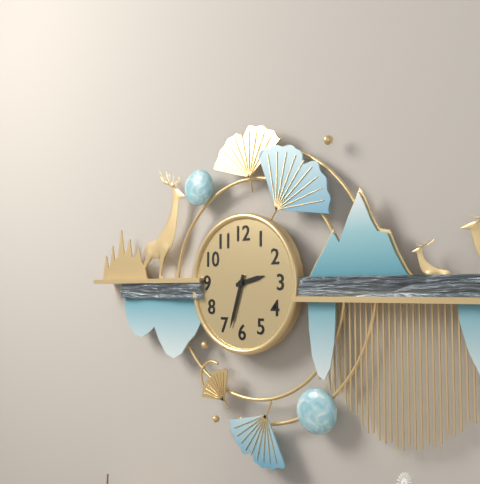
2h33
